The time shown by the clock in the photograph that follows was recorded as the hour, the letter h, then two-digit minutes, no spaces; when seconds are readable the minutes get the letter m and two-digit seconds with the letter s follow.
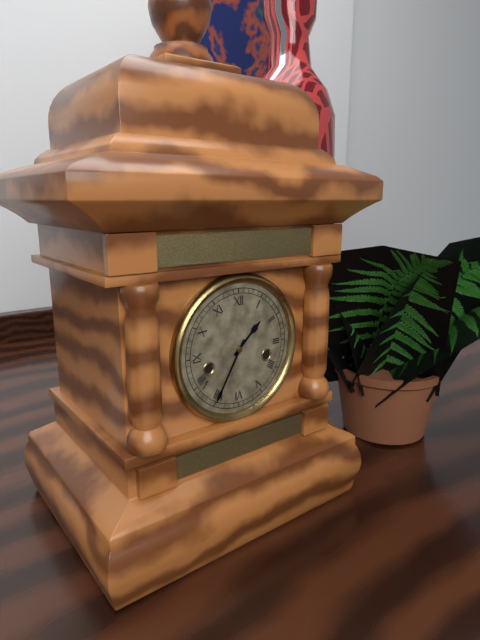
1h35
